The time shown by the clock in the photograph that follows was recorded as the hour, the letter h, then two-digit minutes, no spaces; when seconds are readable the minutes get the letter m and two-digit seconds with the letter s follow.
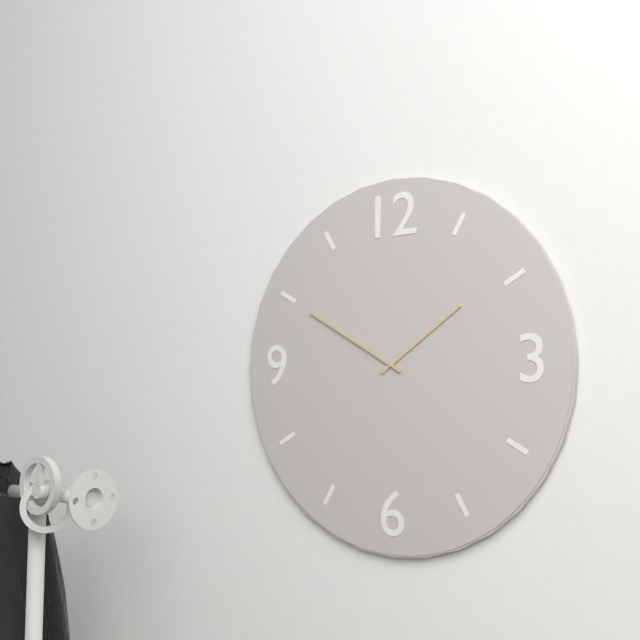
1h50
